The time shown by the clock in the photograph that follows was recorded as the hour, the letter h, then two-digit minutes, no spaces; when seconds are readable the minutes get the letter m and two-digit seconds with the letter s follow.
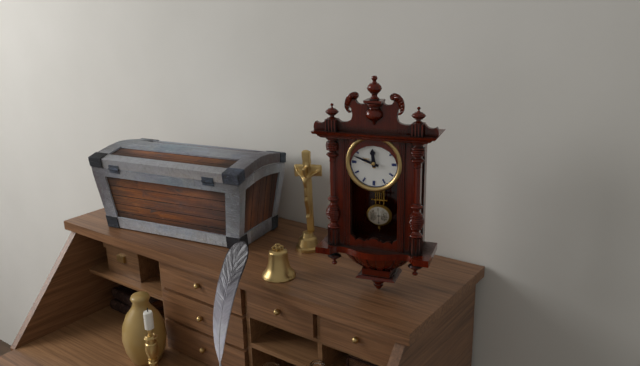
11h48
